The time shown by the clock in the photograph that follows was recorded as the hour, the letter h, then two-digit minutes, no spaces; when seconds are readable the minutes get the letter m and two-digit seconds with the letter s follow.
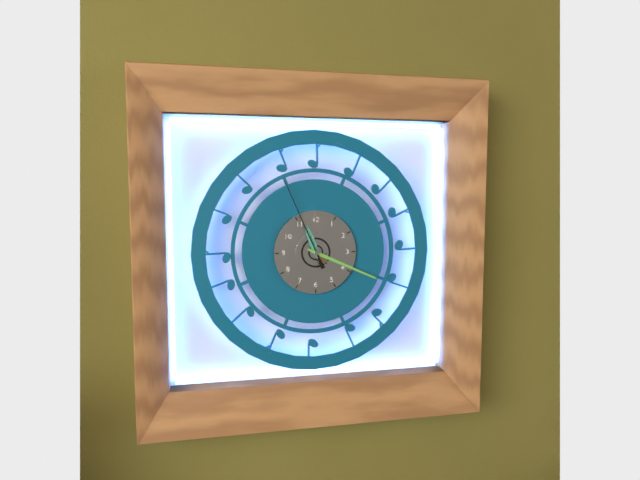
11h19m56s
